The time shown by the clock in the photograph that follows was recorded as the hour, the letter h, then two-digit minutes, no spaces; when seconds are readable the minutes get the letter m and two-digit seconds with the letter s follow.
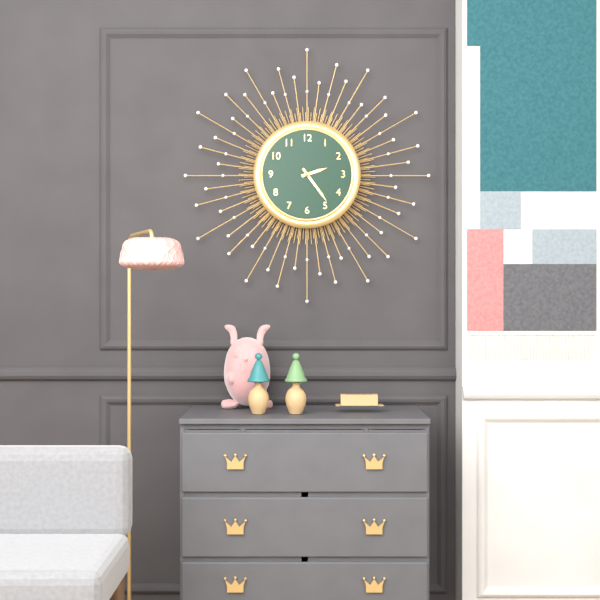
2h24
